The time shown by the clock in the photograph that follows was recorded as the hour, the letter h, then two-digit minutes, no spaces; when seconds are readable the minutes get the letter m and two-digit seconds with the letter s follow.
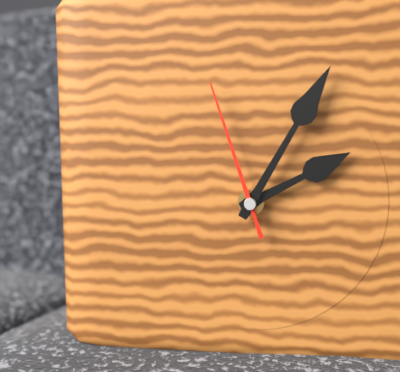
2h05m57s
